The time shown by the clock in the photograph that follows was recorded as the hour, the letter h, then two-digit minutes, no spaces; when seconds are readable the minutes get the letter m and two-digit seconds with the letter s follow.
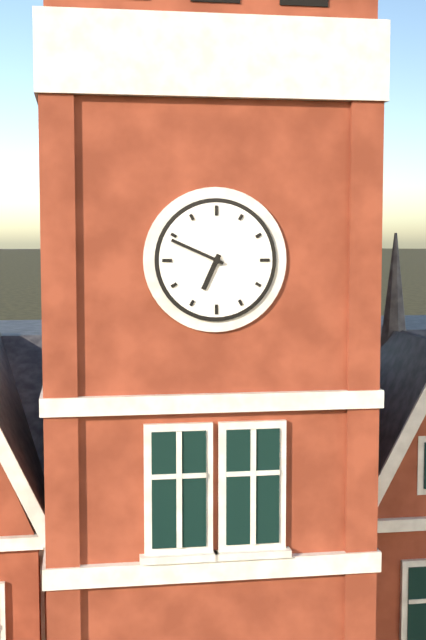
6h49
